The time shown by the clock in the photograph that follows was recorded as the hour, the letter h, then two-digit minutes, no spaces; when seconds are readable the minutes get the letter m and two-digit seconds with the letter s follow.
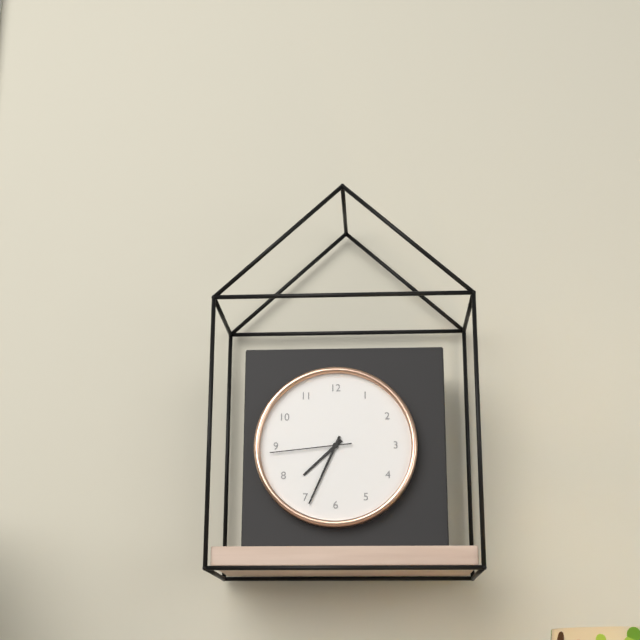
7h34m44s
